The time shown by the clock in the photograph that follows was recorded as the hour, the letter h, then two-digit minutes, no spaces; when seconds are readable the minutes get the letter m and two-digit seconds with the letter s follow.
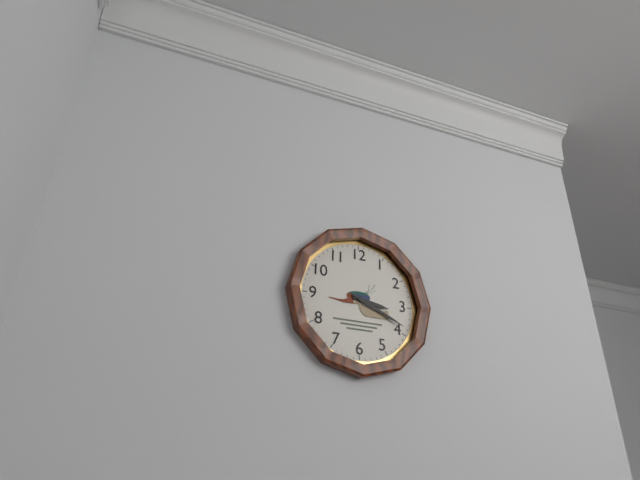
3h19
